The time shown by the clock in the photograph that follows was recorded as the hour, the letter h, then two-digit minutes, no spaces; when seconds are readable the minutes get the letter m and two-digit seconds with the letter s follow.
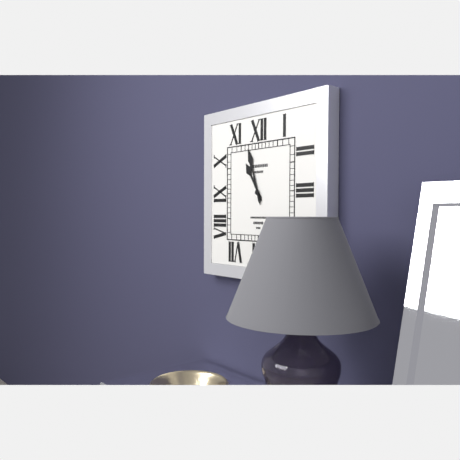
10h57
